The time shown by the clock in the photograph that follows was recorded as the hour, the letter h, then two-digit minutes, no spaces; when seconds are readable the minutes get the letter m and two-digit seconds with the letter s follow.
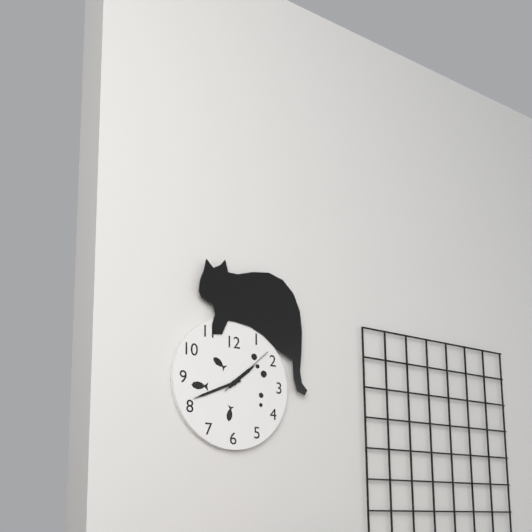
1h41m08s
